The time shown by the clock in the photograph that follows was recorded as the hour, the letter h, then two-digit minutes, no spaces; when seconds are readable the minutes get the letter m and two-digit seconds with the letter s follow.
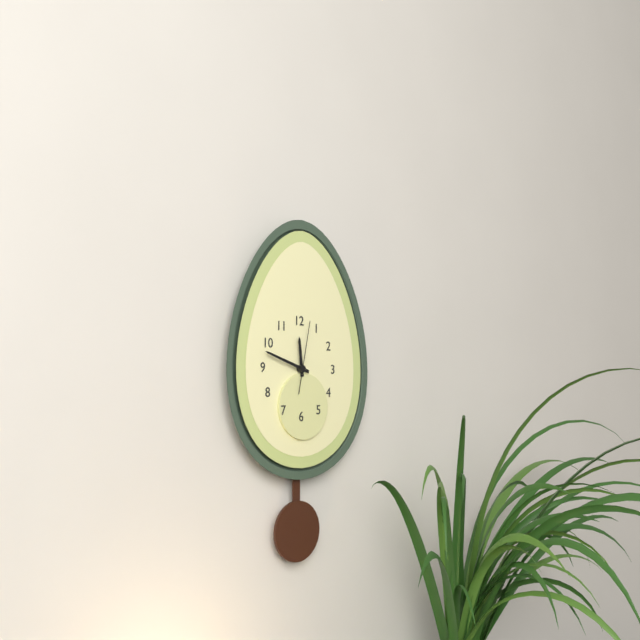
11h48m02s
